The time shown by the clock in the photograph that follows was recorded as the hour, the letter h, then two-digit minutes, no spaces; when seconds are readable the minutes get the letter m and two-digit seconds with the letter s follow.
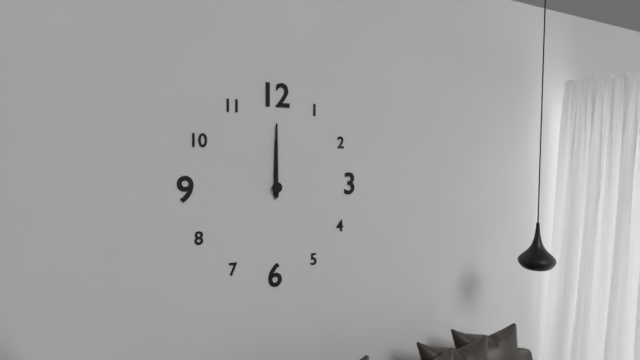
12h00
